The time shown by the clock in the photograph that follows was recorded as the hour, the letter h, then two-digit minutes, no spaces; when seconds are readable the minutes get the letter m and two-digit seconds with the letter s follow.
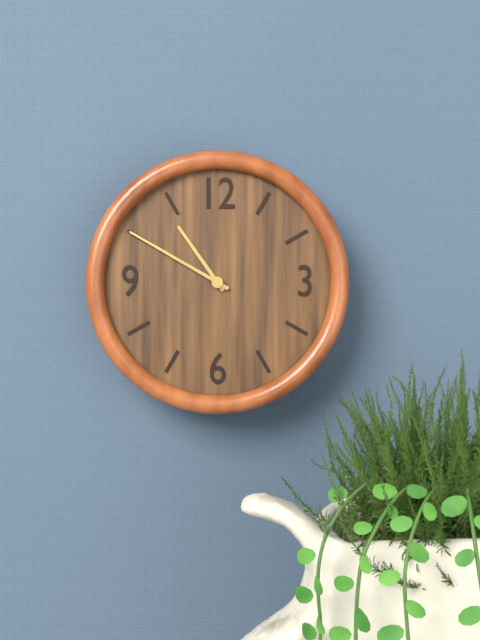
10h50
